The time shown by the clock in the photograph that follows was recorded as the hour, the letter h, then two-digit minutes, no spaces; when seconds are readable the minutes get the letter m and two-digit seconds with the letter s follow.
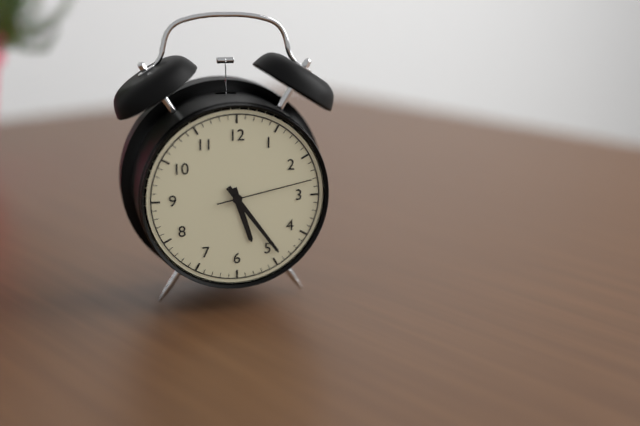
5h24m13s
